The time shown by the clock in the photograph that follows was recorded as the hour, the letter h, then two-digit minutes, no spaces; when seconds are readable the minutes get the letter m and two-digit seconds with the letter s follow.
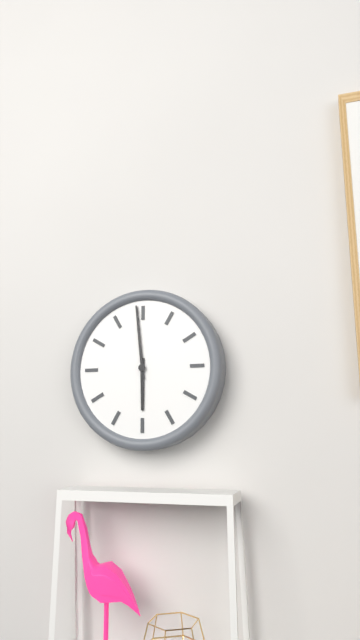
5h59
